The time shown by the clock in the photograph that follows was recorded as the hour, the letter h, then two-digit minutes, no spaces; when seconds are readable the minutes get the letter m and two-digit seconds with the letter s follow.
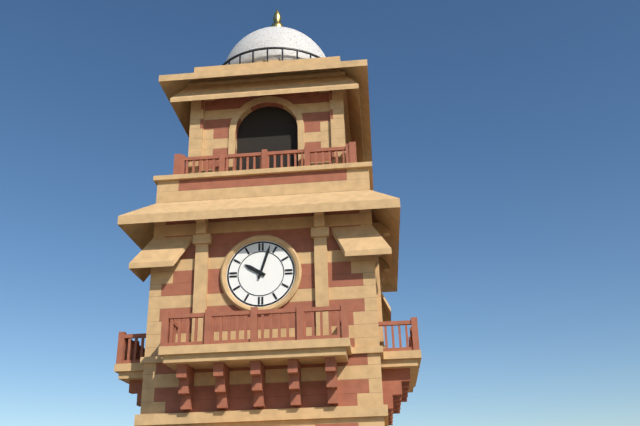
10h03
